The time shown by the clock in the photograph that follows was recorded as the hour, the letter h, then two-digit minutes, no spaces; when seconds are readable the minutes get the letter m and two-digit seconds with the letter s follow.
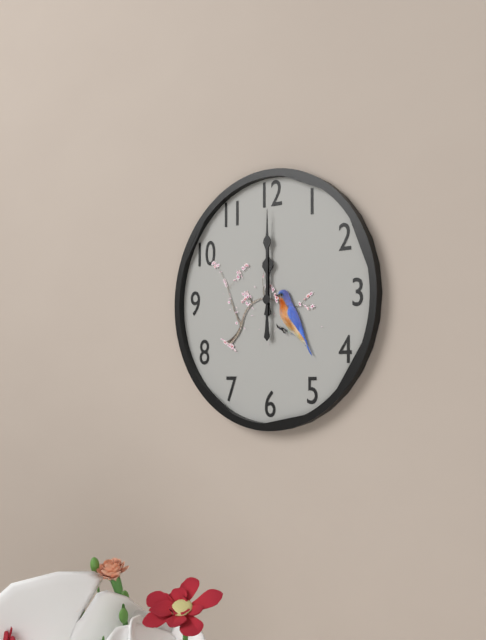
12h00
